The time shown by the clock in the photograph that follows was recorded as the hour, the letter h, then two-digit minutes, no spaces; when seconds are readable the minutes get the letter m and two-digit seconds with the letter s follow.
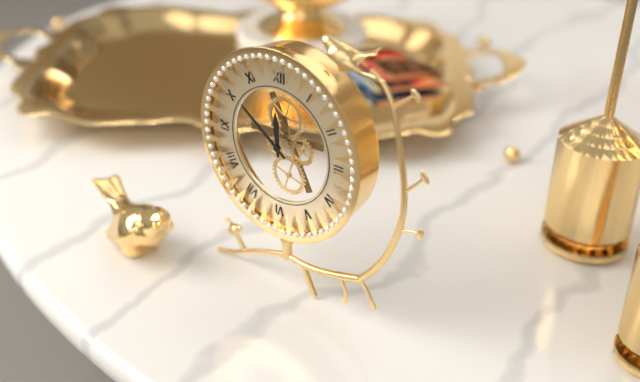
11h51
